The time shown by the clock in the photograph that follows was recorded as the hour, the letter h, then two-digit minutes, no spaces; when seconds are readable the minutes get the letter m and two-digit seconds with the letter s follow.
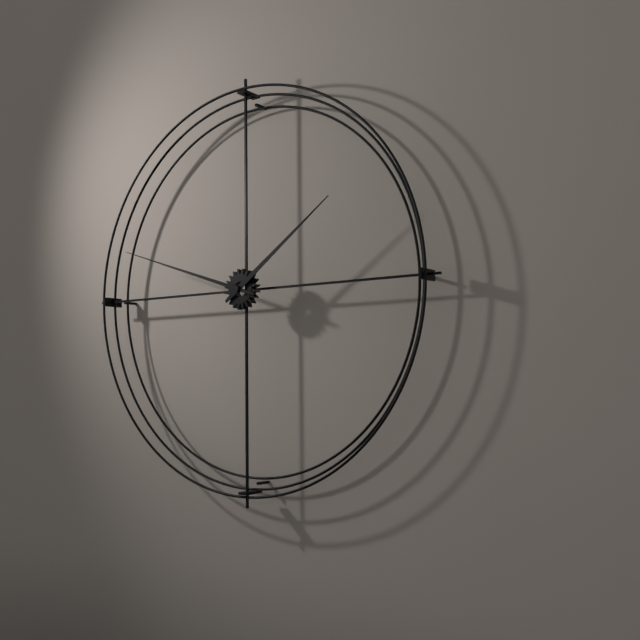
1h48
